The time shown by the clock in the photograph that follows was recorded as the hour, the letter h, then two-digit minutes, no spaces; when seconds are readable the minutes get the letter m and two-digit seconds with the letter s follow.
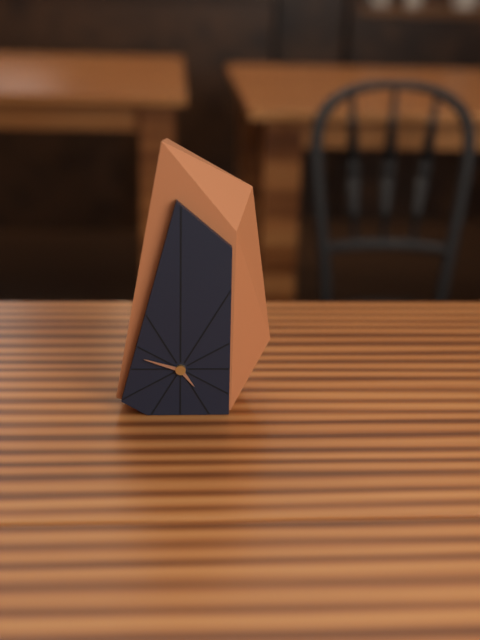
4h48
